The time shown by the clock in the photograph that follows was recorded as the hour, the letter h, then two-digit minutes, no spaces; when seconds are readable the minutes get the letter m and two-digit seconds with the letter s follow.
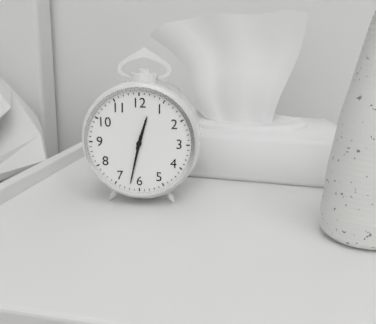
12h32
